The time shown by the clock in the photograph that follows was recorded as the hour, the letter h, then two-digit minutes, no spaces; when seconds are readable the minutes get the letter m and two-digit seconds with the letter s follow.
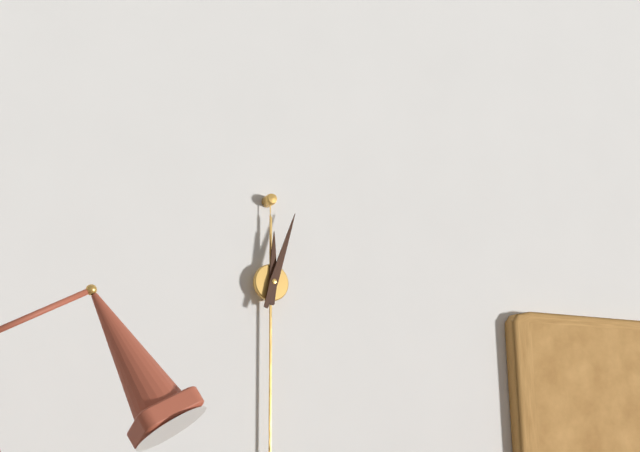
12h03
